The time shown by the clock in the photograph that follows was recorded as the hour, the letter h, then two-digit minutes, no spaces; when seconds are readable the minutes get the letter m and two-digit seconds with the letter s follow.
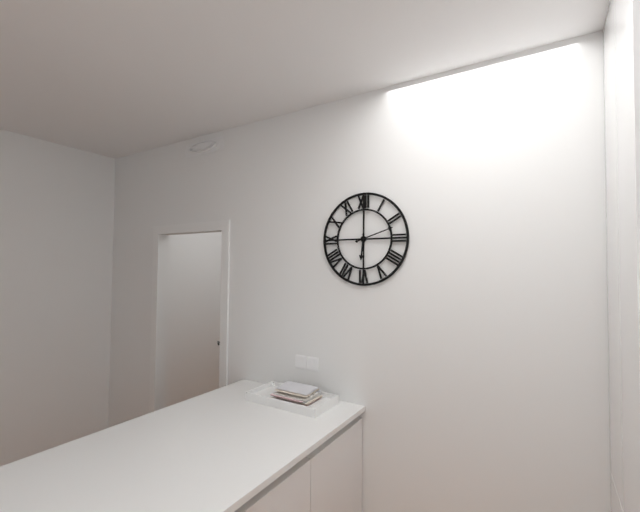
6h12
